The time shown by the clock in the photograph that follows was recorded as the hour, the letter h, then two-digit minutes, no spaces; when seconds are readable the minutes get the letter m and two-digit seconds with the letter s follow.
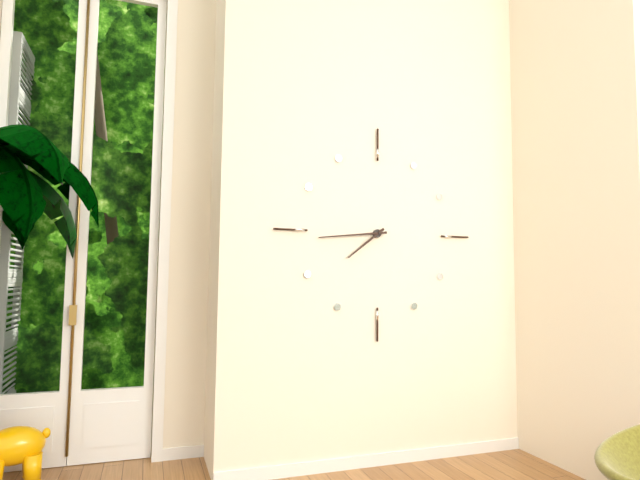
7h44
